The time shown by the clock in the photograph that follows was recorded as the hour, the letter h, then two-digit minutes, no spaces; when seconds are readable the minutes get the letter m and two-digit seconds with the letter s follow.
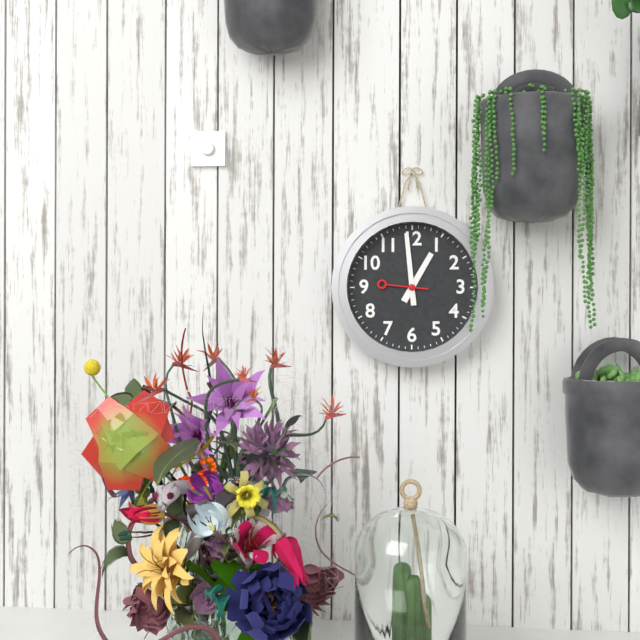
12h59
